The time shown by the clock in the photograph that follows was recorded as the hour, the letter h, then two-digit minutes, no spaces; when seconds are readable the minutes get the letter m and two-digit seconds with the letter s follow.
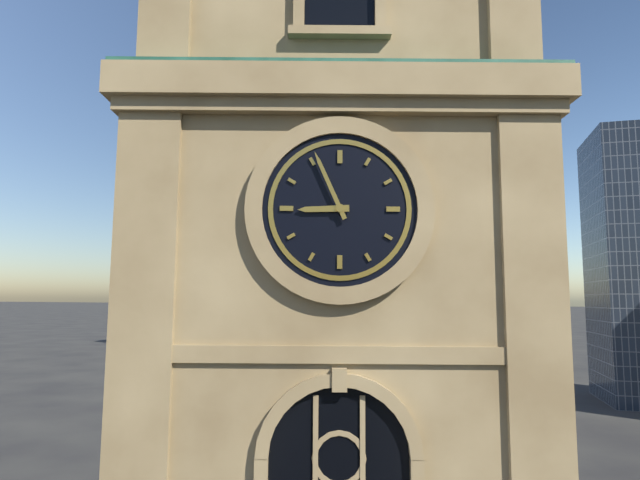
8h56
